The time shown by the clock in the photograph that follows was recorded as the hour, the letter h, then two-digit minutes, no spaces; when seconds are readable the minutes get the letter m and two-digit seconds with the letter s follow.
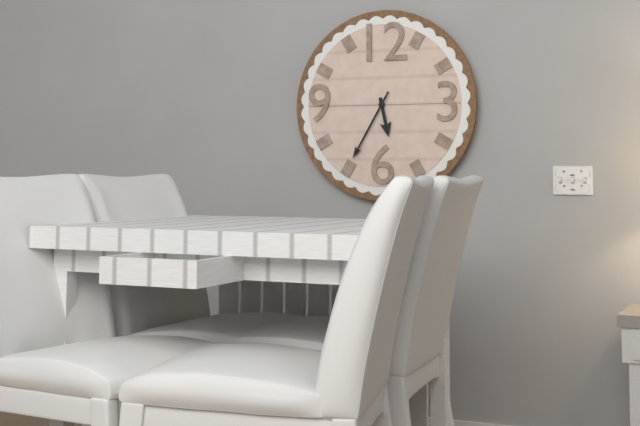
5h35
